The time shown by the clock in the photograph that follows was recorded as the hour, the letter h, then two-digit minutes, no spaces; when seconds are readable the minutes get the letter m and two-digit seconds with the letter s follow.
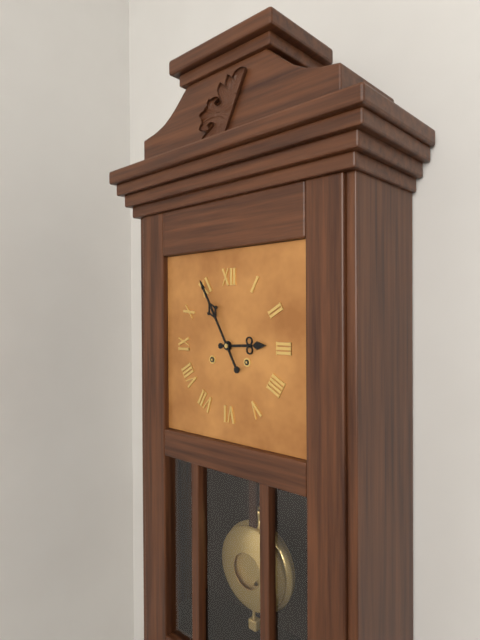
2h55
